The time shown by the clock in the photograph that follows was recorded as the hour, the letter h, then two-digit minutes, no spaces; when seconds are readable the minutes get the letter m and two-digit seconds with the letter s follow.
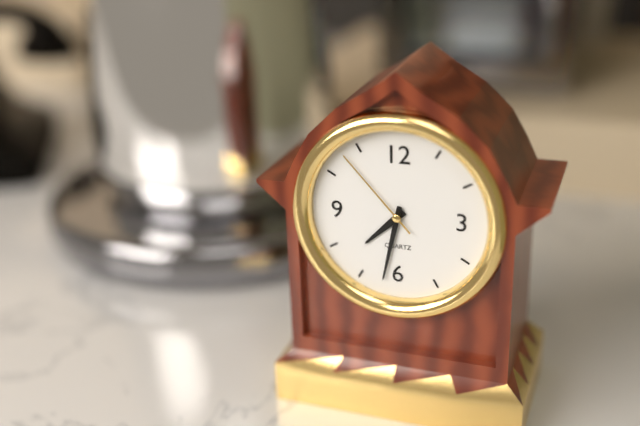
7h32m53s
